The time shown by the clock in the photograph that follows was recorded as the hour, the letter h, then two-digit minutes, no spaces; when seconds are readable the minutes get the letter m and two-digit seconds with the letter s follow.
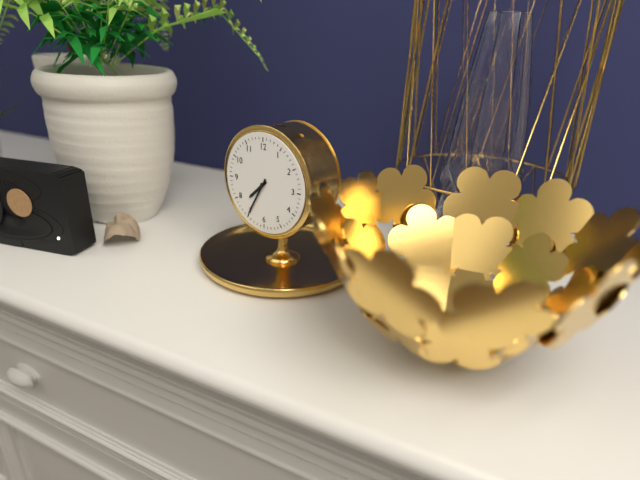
7h35
